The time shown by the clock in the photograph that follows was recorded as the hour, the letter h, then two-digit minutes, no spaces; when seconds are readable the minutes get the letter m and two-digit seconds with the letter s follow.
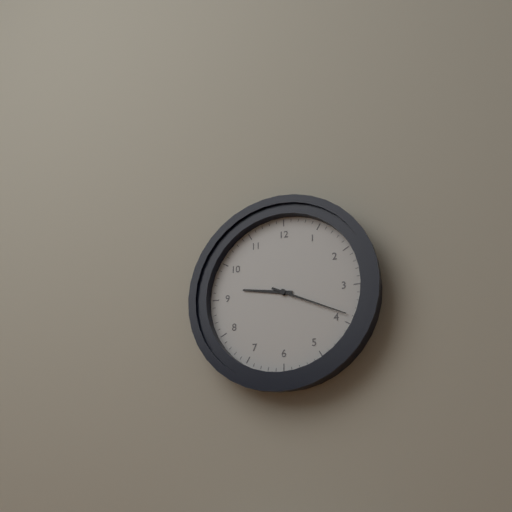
9h19
